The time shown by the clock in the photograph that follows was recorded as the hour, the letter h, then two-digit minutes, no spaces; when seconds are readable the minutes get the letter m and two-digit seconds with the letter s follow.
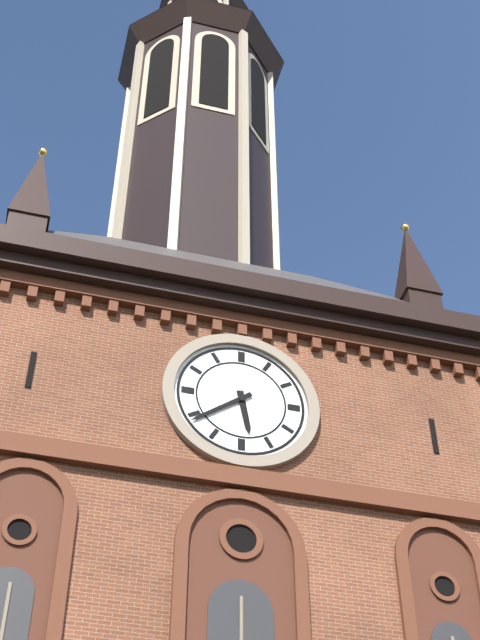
5h39
